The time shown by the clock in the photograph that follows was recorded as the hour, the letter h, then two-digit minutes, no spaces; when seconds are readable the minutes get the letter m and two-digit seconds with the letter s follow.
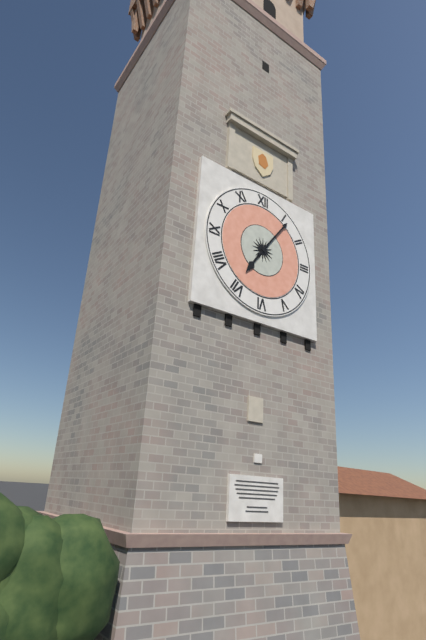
7h06
